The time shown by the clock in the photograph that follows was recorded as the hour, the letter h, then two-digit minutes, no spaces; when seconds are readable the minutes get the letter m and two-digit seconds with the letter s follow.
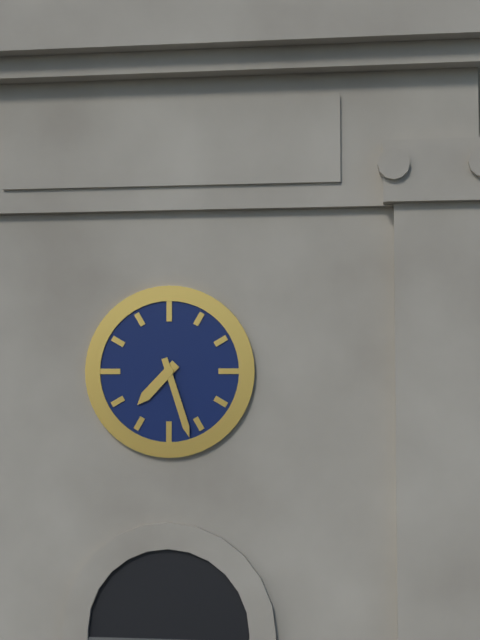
7h27
